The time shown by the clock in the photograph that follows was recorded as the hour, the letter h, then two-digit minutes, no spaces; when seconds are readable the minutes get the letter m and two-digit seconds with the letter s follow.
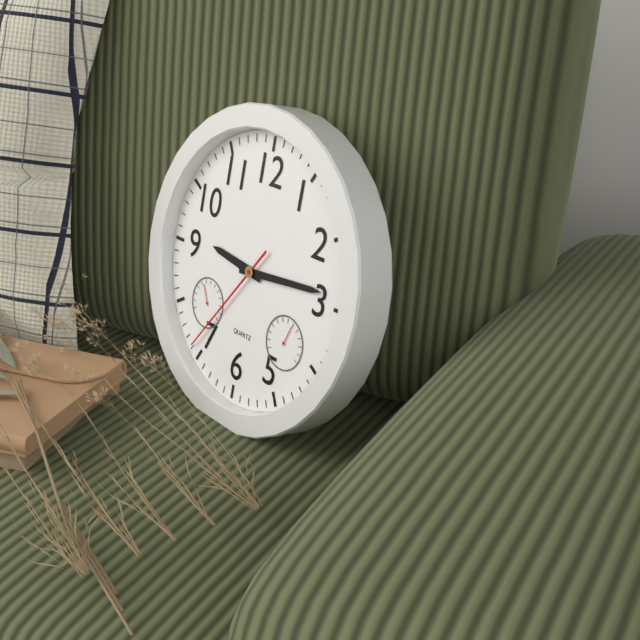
9h14m36s
